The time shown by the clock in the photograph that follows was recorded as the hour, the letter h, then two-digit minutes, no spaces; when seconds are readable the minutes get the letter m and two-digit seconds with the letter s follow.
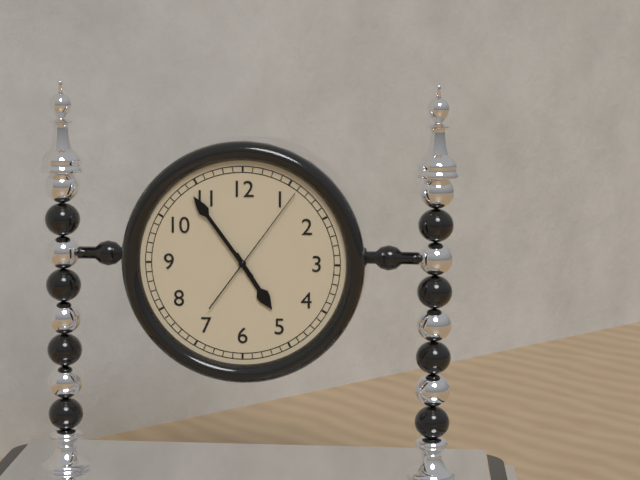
4h54m06s
